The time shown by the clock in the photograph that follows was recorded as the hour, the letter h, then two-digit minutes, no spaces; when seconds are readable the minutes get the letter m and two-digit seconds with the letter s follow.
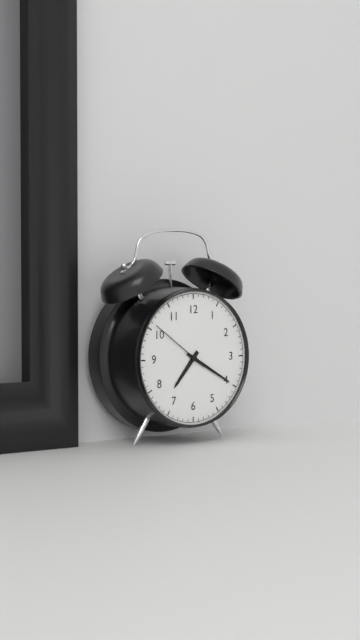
7h20m51s
